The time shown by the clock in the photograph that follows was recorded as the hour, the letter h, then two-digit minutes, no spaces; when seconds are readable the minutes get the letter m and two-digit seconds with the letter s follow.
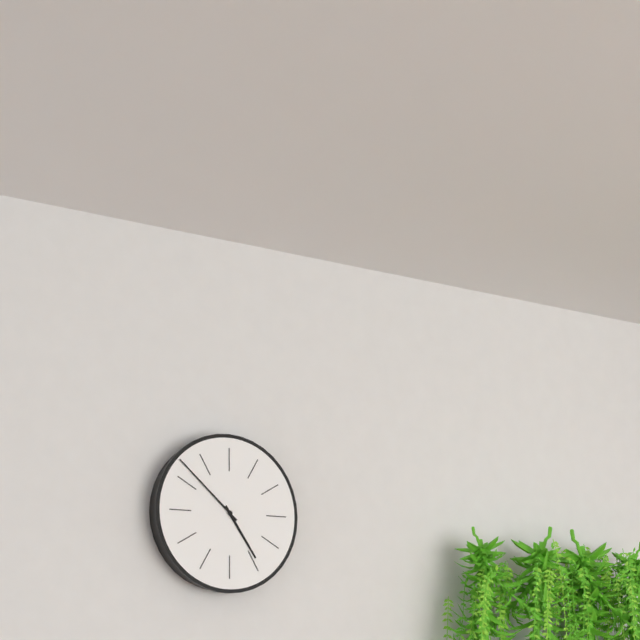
4h52
